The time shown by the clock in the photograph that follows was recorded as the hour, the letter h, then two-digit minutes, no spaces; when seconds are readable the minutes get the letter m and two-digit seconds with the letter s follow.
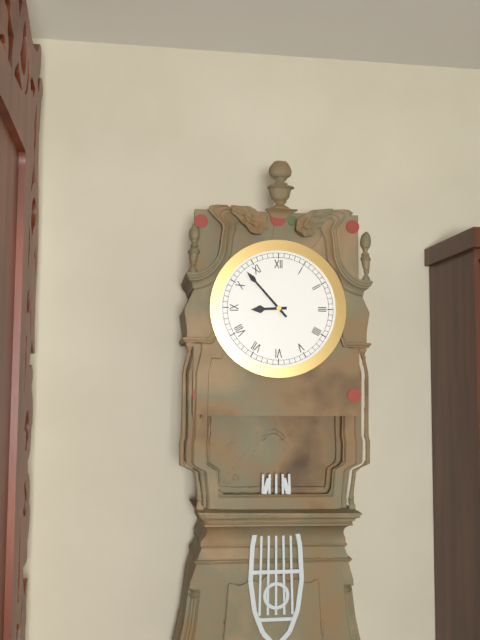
8h53
